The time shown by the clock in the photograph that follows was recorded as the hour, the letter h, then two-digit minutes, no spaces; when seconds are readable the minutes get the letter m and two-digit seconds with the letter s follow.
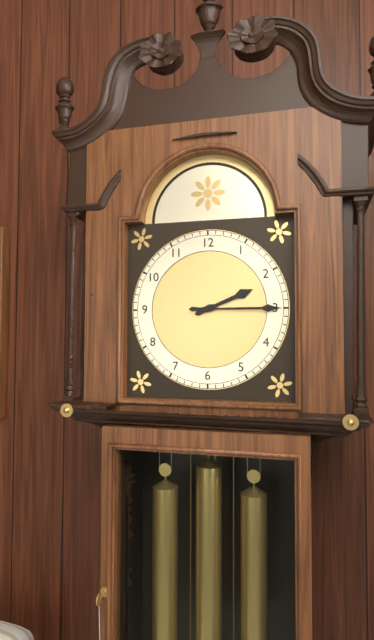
2h15
